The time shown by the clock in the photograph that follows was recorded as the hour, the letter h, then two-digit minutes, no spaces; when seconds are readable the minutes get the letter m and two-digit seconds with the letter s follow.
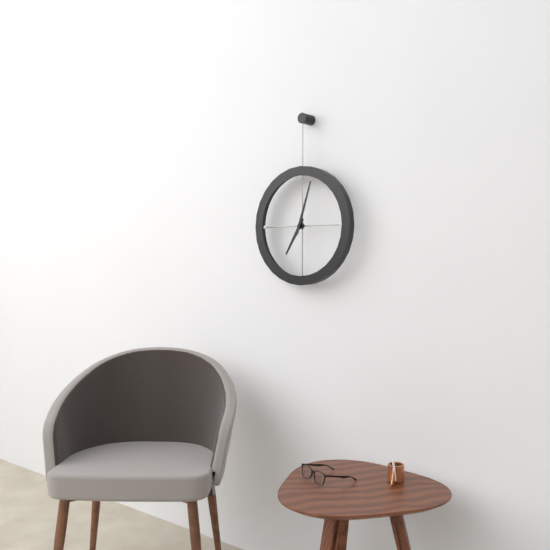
7h03
